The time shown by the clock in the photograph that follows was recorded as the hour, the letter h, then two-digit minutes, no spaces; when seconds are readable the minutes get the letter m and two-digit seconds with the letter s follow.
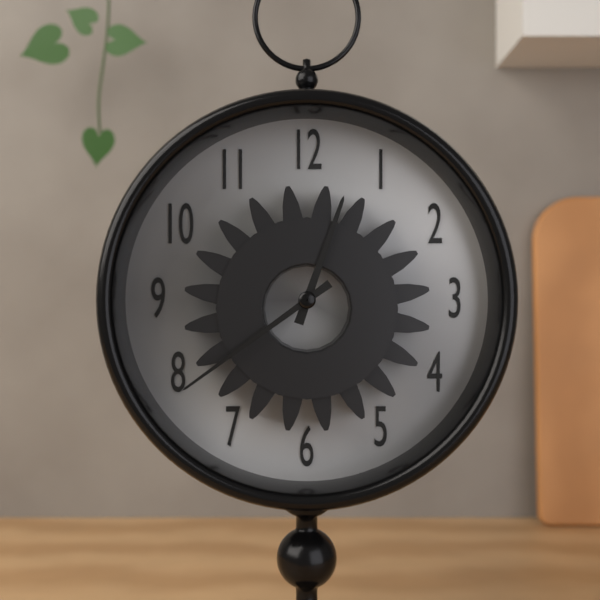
12h39
